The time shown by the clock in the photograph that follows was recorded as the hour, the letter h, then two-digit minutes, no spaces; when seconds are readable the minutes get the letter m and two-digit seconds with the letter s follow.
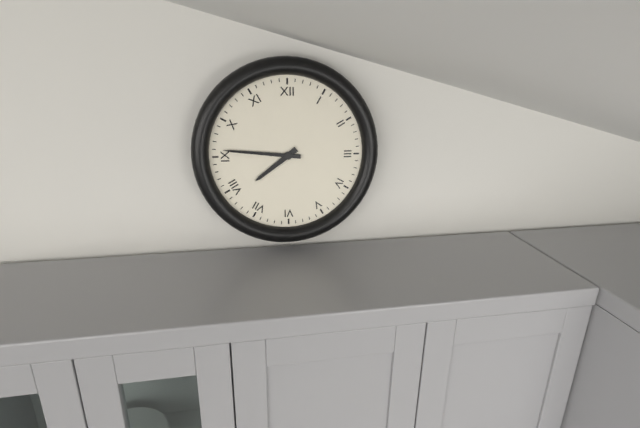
7h46
